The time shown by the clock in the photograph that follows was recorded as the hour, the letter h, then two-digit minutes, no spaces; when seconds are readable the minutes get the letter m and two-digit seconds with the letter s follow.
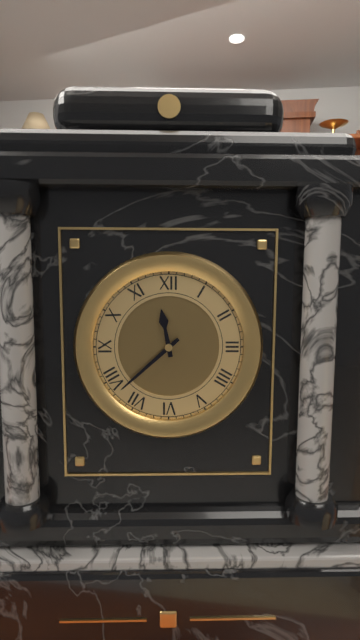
11h38
